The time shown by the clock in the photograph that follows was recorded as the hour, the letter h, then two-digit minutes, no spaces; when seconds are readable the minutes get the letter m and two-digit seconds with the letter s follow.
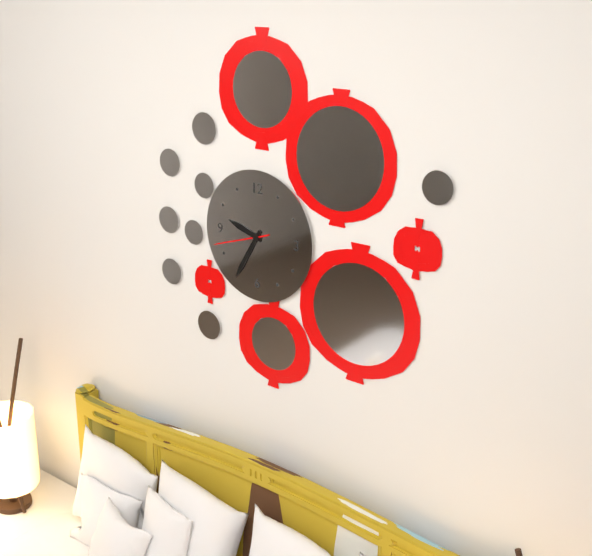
9h35m42s
